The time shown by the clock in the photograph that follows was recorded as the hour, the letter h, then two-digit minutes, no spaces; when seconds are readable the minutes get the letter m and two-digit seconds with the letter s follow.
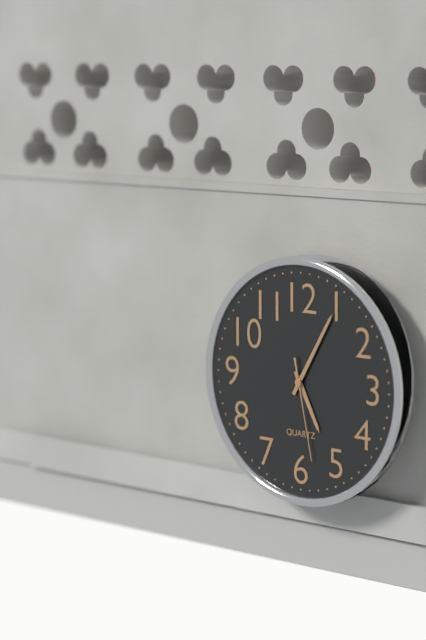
5h05m28s
